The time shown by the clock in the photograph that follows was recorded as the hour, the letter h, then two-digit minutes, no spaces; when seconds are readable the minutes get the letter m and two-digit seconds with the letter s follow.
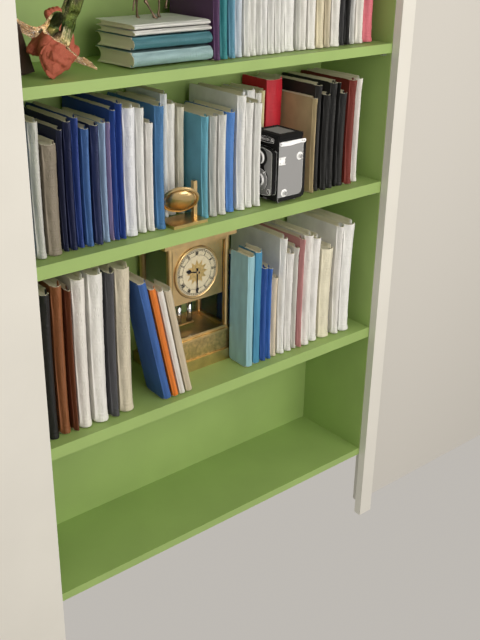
9h30
